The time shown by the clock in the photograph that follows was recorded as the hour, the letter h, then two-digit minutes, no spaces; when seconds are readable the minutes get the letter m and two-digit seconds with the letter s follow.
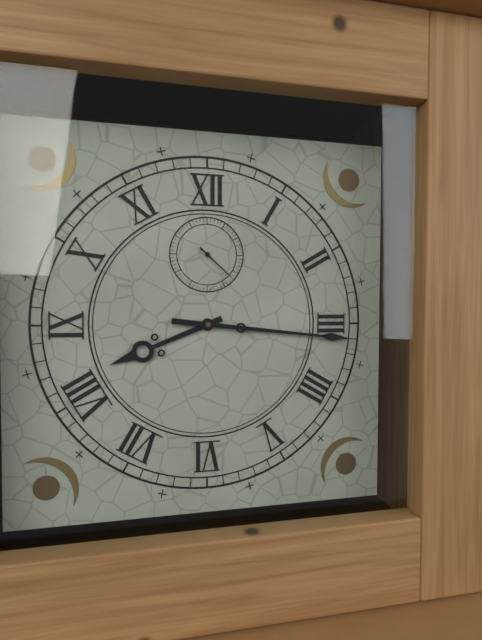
8h16
